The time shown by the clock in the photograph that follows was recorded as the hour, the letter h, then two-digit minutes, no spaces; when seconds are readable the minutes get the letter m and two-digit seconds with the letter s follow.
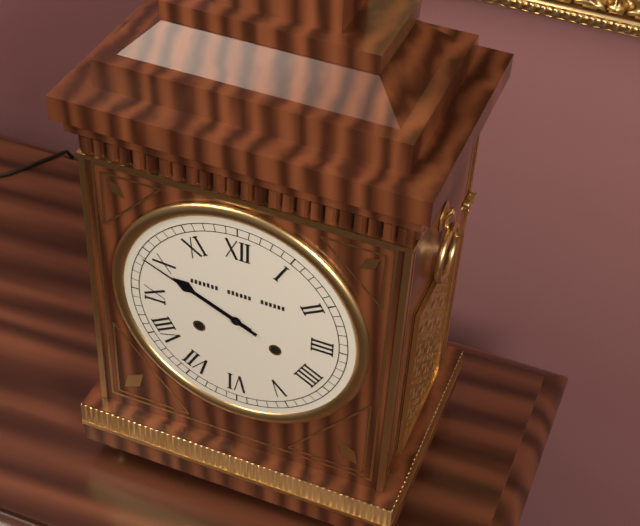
9h49
